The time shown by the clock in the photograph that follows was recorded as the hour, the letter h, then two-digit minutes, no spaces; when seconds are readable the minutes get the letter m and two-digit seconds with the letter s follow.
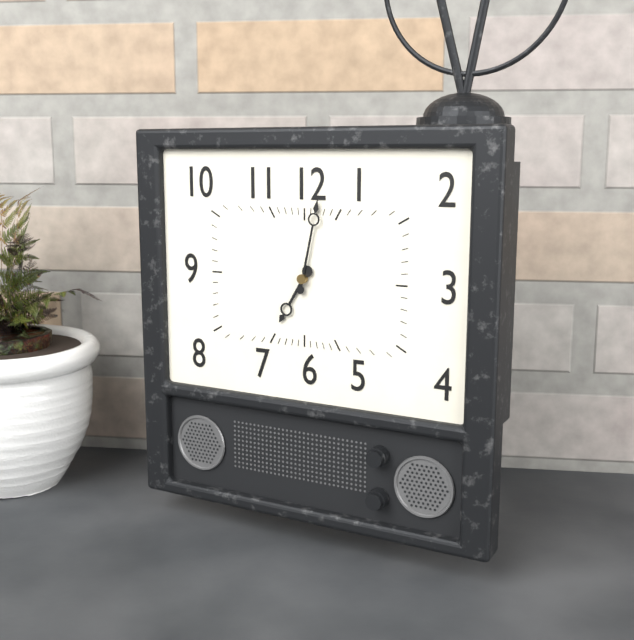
7h02
